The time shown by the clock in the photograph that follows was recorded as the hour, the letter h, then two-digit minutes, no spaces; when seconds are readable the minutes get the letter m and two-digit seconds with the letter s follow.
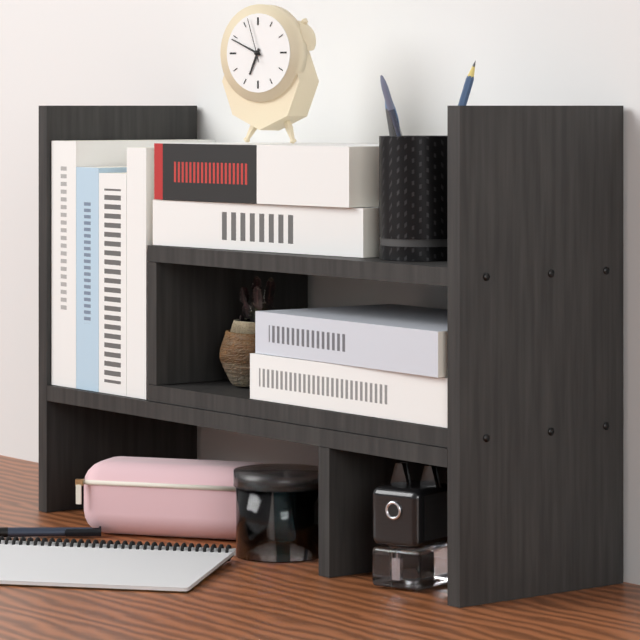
6h49
